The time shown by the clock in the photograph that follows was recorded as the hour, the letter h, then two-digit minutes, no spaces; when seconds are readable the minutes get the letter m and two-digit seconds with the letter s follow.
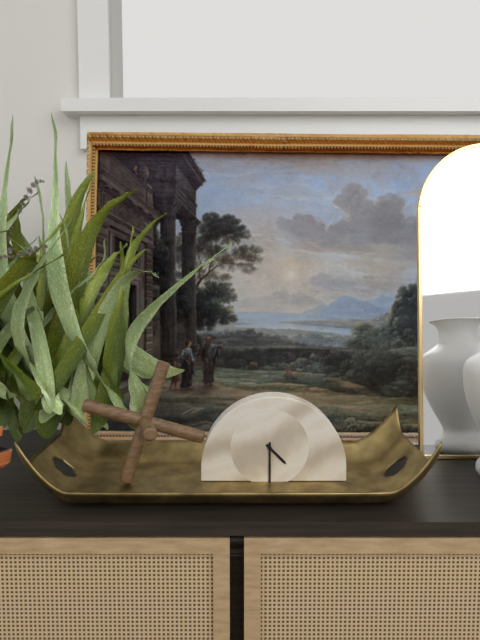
4h30
